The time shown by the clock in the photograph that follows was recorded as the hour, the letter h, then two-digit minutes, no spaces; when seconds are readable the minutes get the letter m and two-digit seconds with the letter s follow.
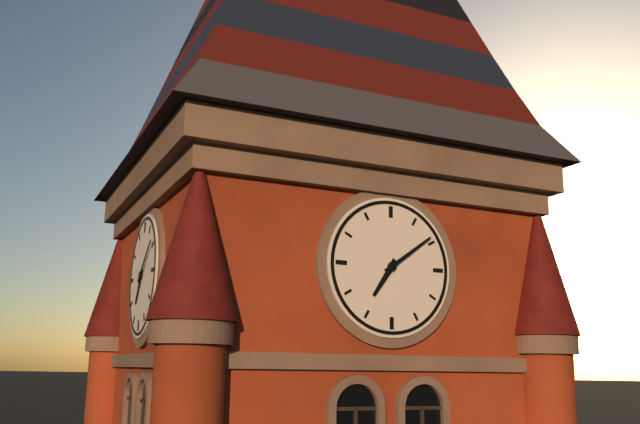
7h09
